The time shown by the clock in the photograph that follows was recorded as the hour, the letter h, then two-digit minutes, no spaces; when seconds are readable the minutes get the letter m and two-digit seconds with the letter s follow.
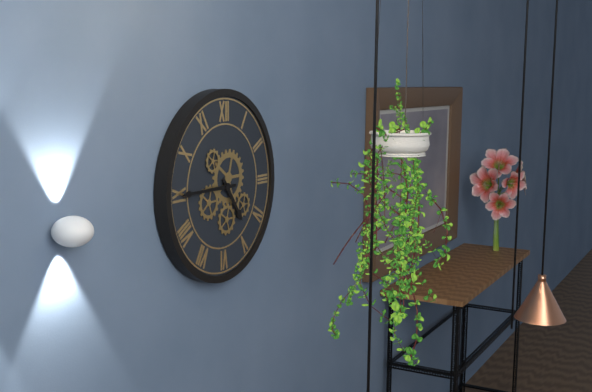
4h45
